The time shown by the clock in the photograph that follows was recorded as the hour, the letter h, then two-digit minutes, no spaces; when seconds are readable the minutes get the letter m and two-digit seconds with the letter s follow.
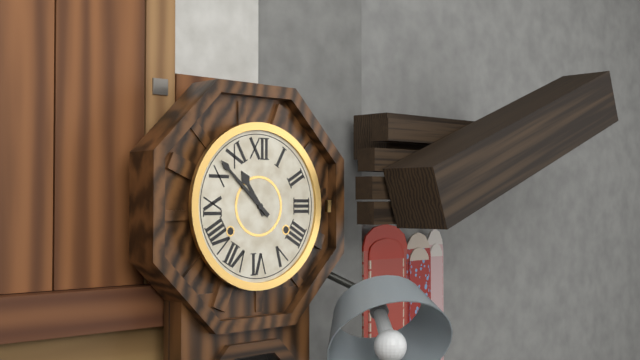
10h52
